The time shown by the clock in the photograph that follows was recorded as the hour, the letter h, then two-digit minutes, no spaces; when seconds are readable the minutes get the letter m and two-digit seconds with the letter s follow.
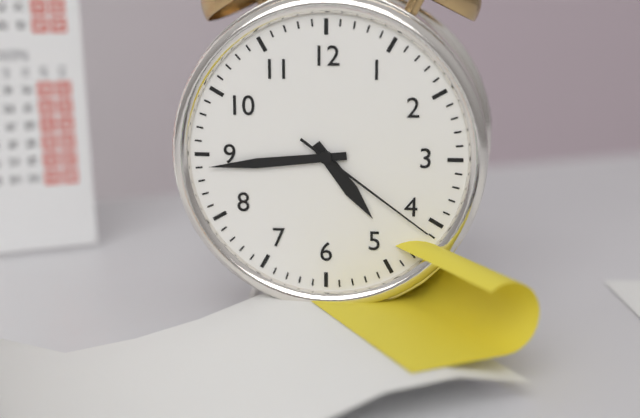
4h44m21s
